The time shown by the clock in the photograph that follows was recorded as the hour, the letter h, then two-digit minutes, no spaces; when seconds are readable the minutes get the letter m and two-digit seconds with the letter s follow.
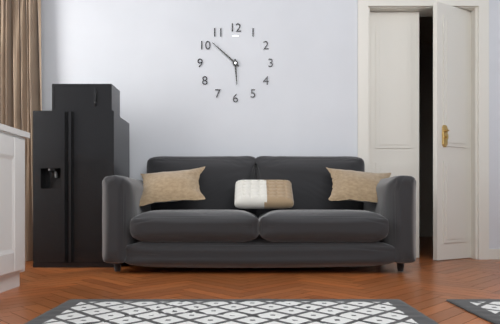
5h52
